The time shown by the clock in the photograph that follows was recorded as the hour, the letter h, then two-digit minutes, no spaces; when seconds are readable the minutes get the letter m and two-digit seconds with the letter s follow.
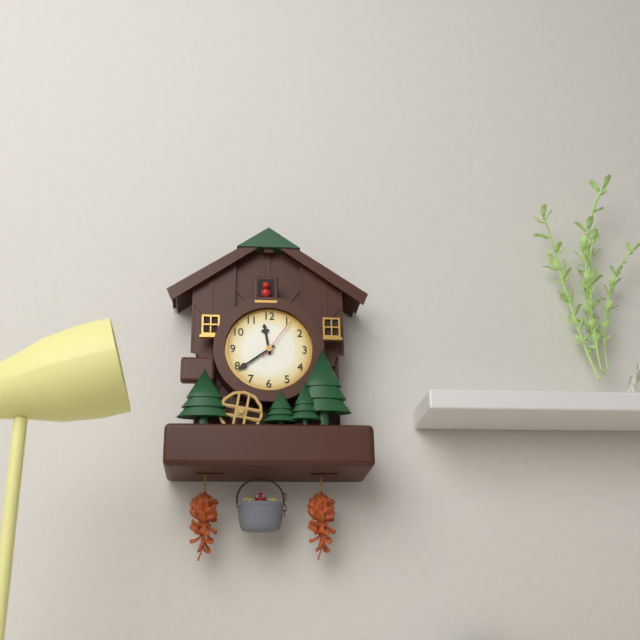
11h39
